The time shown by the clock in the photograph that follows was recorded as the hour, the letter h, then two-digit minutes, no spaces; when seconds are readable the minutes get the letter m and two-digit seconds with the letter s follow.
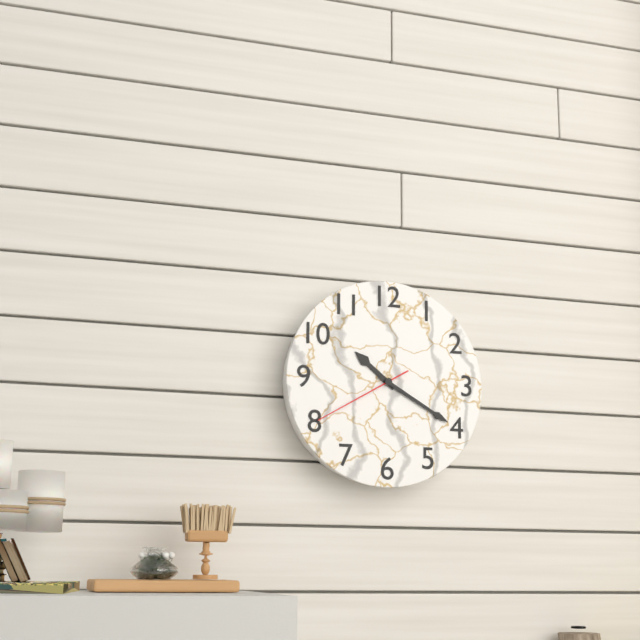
10h20m40s
